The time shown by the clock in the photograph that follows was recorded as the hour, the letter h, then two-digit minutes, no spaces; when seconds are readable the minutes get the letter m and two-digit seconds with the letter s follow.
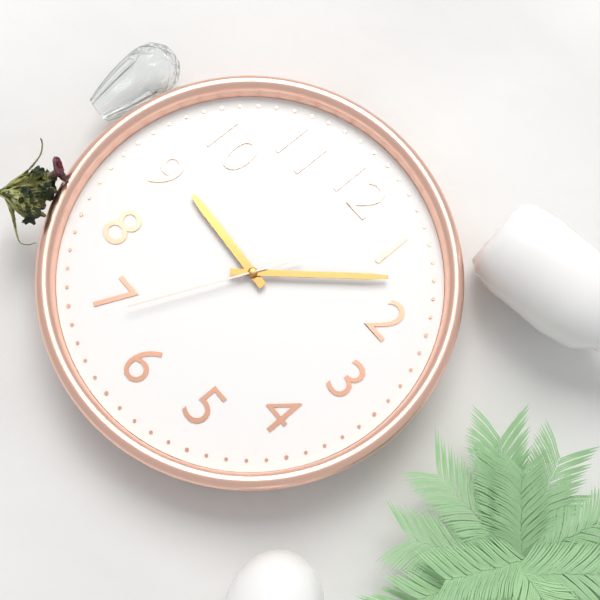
9h07m34s
